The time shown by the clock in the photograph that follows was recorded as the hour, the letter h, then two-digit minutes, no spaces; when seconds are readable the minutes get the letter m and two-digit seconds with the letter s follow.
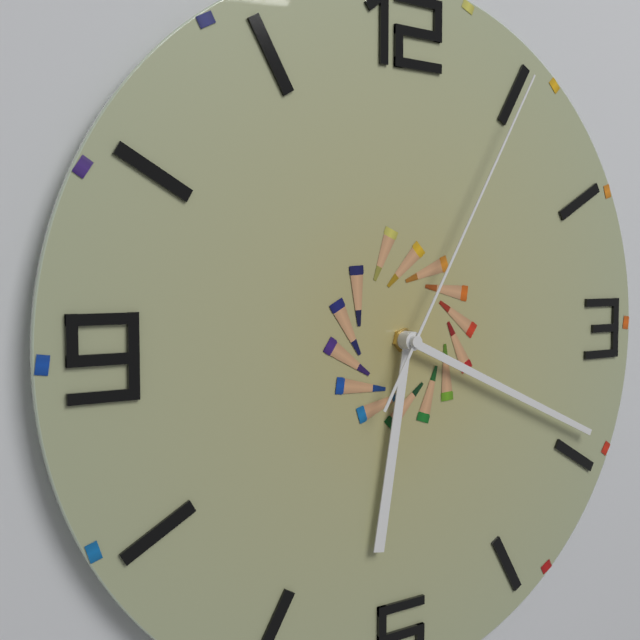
6h19m05s
